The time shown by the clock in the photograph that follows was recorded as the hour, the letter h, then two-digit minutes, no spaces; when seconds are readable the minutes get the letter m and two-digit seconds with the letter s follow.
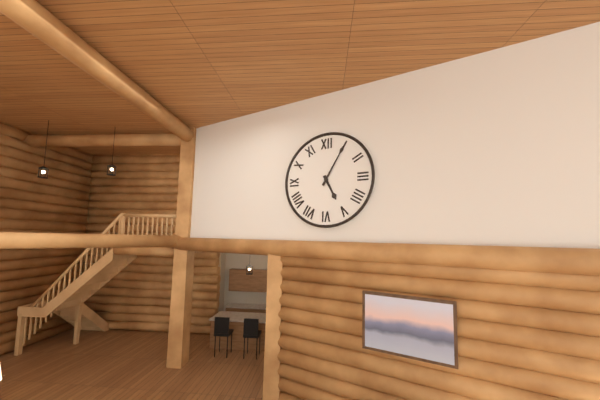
5h05
